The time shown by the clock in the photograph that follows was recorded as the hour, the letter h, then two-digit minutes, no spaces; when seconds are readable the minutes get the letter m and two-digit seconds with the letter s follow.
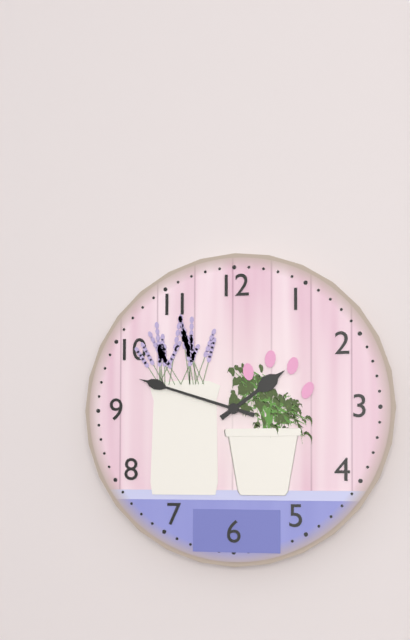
1h48
